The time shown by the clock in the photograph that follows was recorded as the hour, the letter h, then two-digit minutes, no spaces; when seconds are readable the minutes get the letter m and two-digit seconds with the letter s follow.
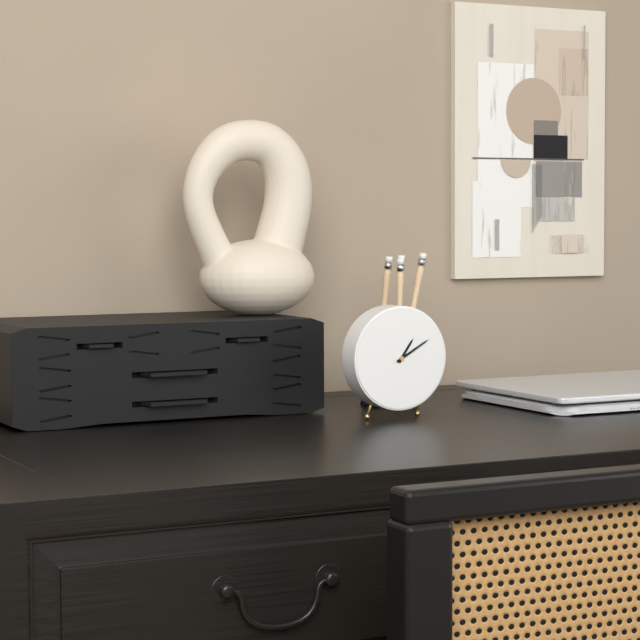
1h10
